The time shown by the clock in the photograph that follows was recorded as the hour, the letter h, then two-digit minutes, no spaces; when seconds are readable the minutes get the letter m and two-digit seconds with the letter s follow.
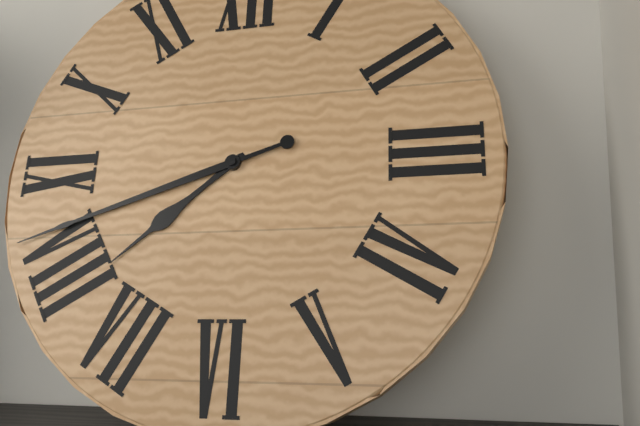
7h42
